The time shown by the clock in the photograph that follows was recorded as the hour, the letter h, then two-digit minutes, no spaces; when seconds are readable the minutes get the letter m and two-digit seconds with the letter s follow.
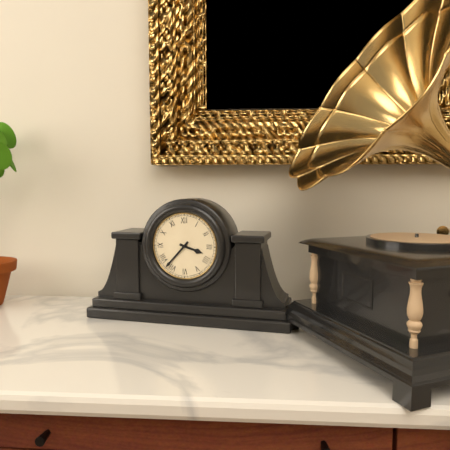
3h37
